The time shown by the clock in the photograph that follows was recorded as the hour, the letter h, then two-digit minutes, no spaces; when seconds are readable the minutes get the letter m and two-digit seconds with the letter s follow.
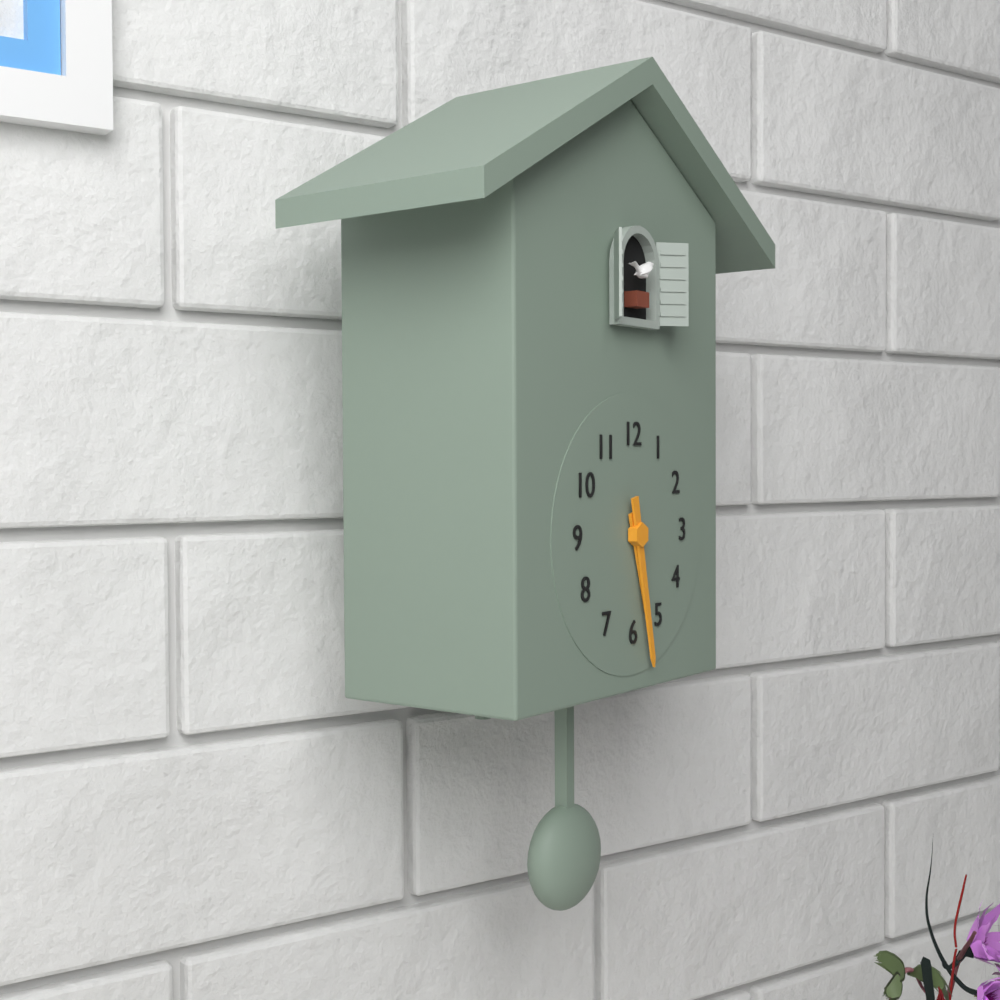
5h28
